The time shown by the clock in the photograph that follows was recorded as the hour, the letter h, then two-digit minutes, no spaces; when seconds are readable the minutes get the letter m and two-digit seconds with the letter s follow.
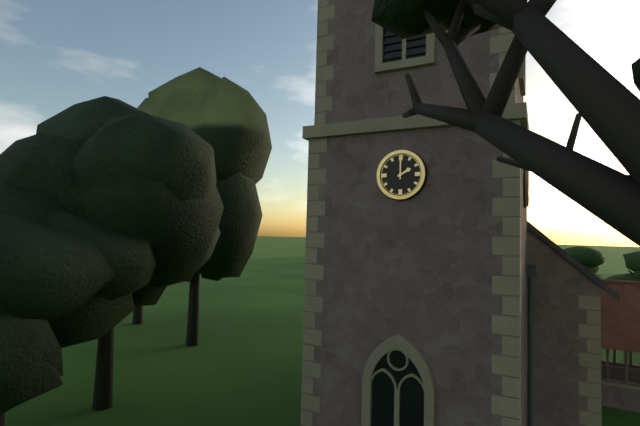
2h00
